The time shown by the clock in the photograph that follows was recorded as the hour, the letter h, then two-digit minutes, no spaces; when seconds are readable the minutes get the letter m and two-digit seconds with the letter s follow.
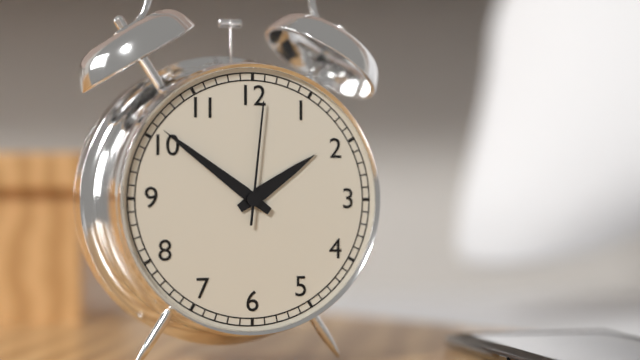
1h51m01s
